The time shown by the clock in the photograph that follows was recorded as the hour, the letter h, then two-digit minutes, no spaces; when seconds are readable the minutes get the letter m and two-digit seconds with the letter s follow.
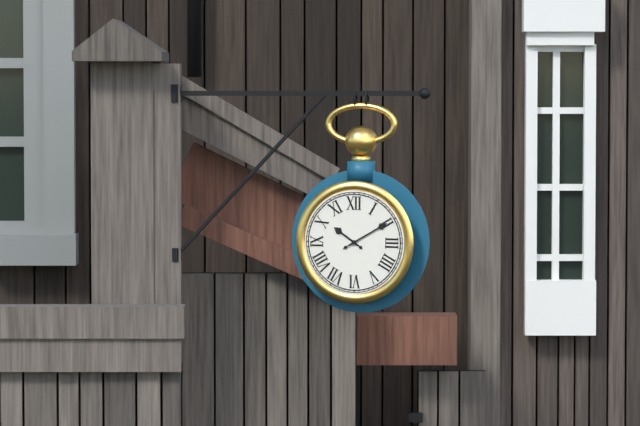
10h10
